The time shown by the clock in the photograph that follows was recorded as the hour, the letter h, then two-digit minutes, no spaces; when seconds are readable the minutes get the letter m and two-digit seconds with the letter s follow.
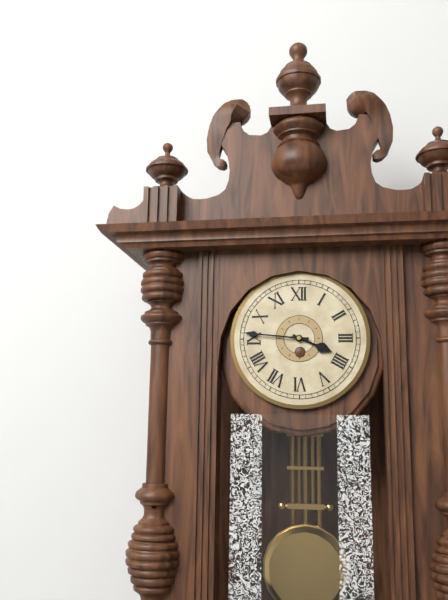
3h46
